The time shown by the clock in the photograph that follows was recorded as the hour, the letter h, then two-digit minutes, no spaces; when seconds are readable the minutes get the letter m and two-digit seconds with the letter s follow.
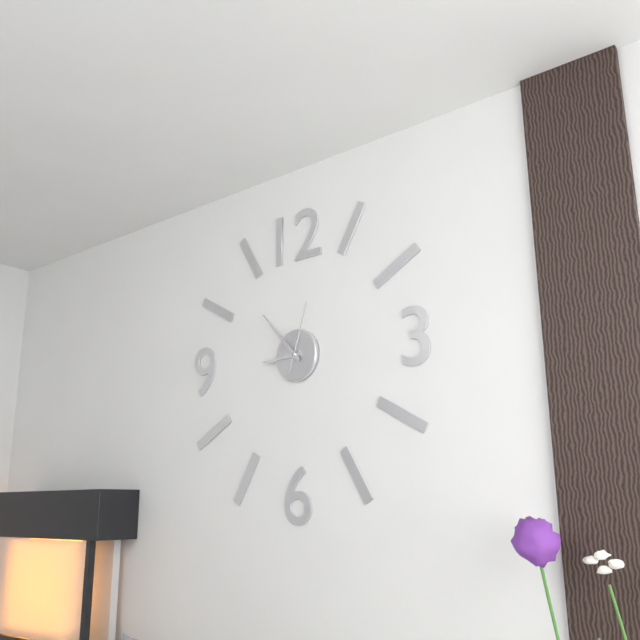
8h53m03s
